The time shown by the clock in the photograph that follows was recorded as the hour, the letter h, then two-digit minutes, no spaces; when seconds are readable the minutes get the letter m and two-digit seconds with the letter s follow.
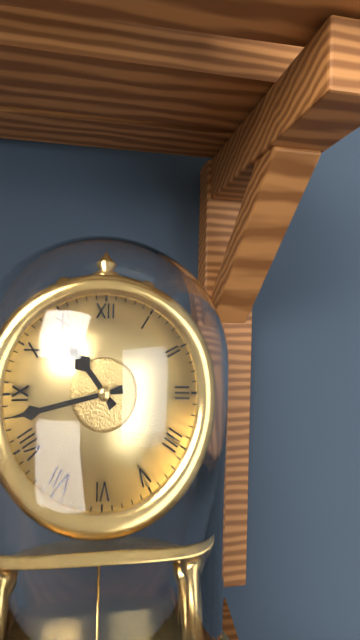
10h43
